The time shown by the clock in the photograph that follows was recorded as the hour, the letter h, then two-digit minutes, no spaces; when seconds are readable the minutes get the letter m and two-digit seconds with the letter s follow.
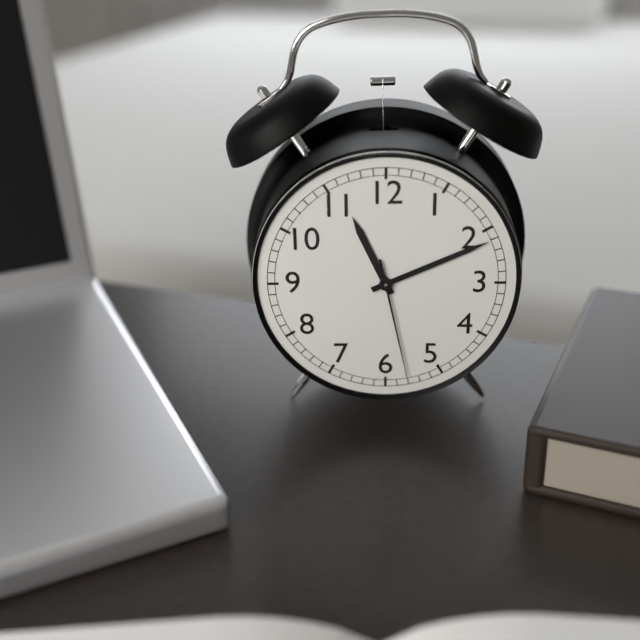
11h11m28s
